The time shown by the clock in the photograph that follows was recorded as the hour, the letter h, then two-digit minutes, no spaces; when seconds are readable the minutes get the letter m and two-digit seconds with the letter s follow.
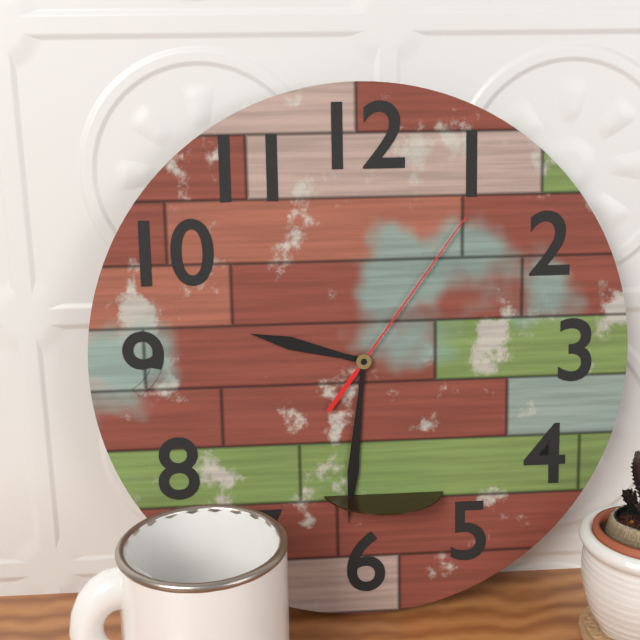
9h31m06s
